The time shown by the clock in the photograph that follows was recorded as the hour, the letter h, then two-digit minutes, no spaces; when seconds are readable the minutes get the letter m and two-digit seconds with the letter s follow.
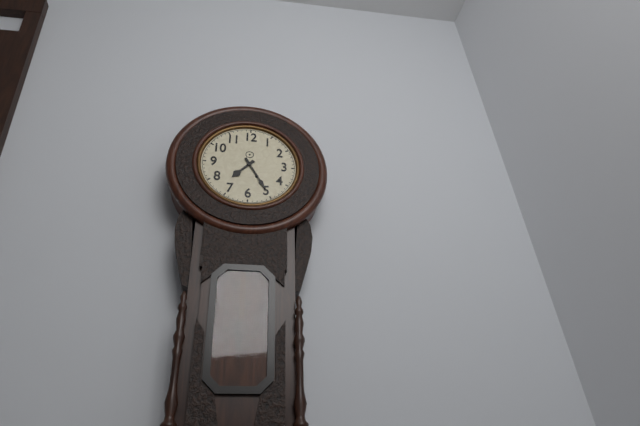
7h25
